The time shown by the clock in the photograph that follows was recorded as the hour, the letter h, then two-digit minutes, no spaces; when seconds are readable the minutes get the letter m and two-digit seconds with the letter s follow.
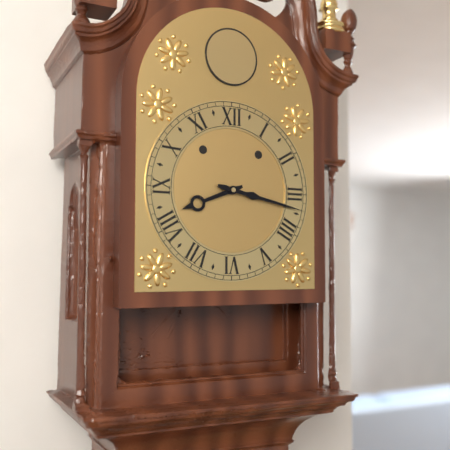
8h17
